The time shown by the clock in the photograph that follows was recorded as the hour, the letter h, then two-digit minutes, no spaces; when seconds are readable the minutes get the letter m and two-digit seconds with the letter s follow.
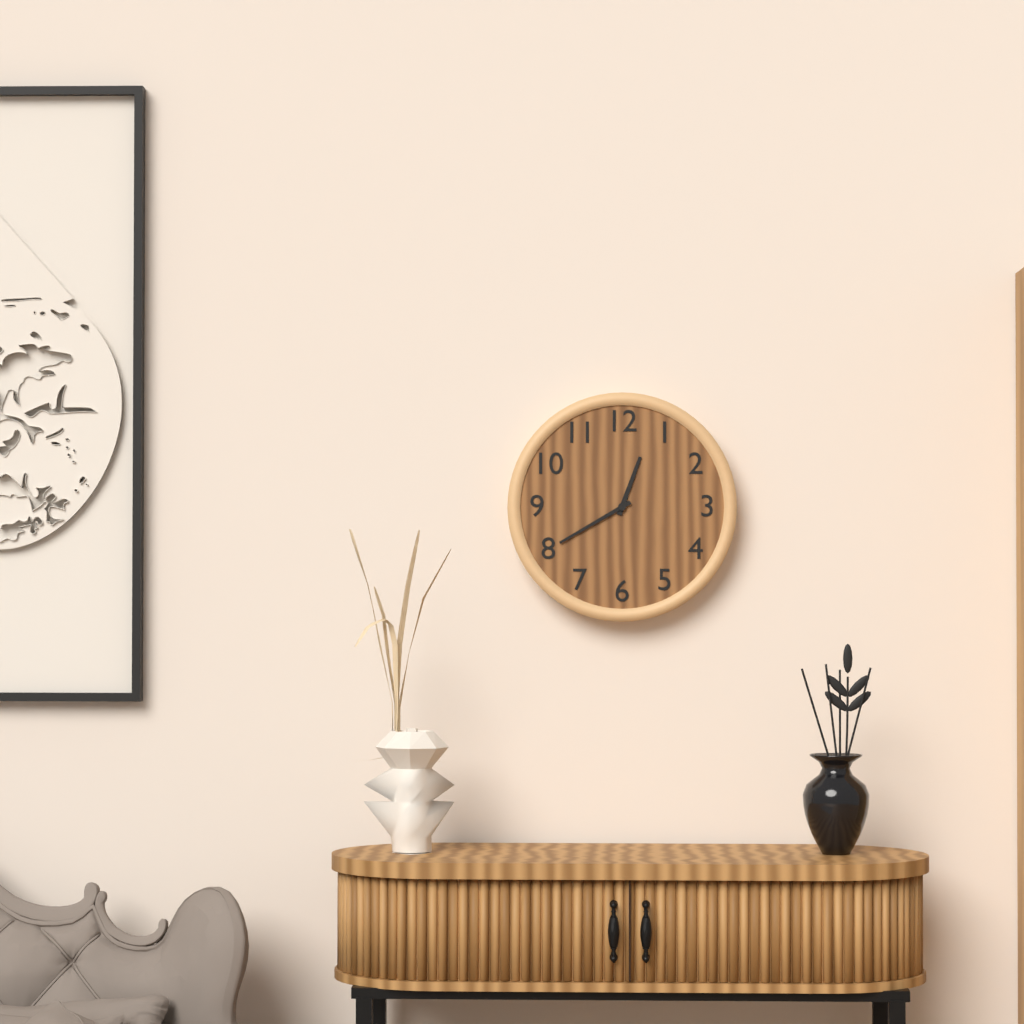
12h40
